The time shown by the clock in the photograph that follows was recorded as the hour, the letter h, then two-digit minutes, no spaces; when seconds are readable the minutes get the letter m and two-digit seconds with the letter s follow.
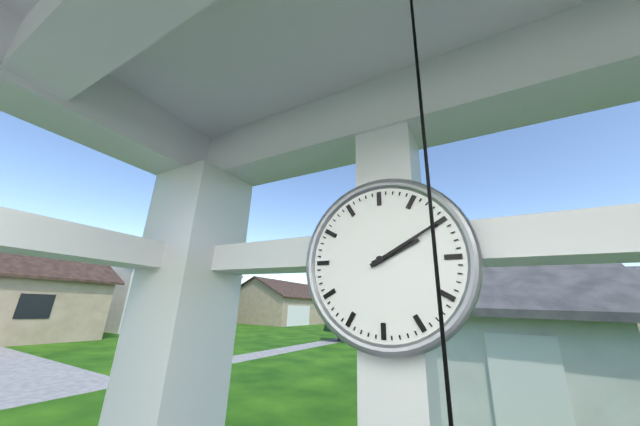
2h10
